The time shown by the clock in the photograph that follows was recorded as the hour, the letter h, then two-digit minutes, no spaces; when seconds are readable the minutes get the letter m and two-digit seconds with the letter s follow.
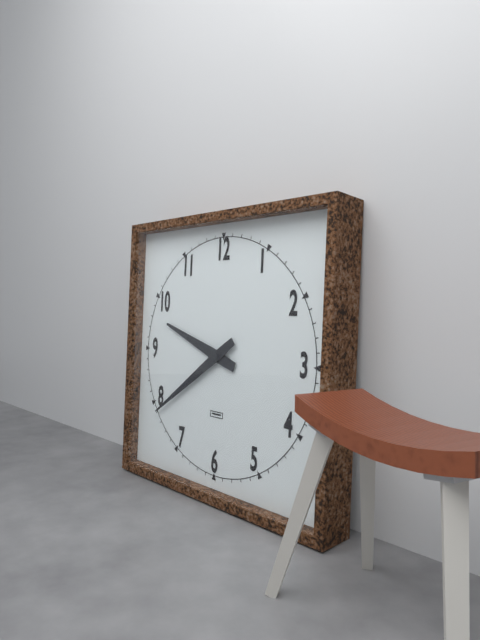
9h39
